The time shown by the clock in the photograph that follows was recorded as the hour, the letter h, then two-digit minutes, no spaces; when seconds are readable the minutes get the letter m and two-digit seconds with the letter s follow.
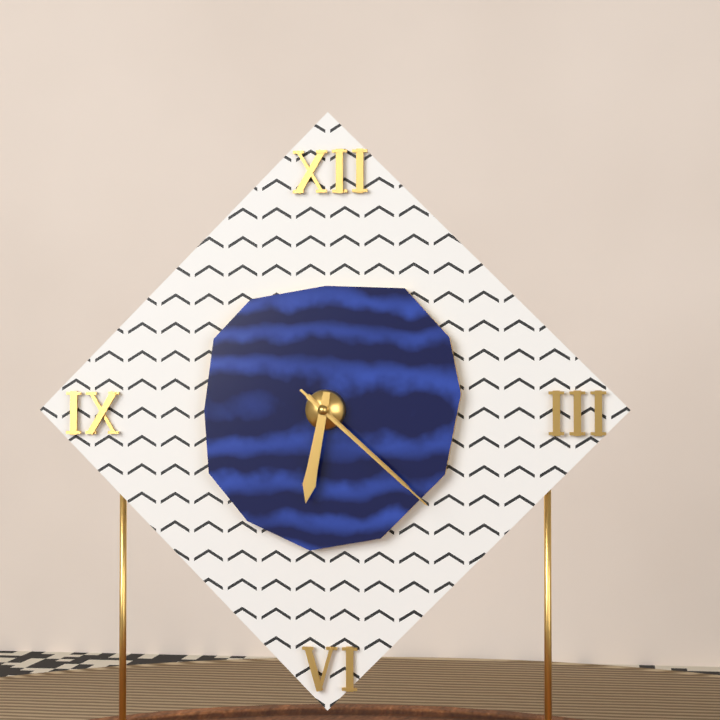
6h22m22s
